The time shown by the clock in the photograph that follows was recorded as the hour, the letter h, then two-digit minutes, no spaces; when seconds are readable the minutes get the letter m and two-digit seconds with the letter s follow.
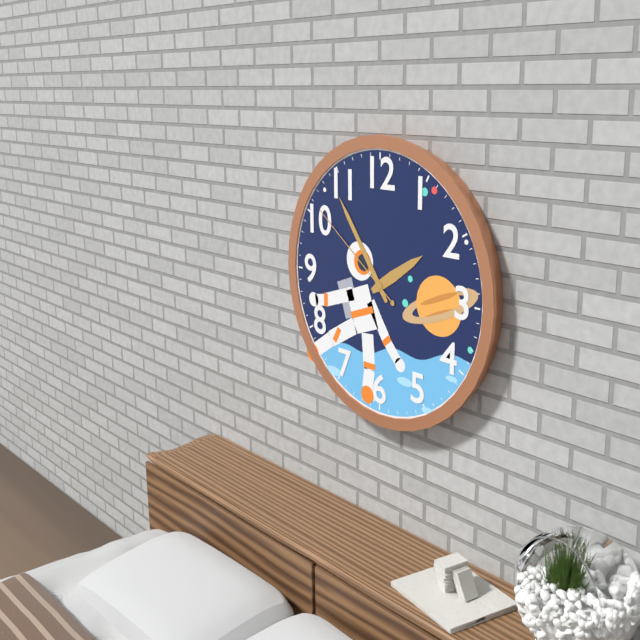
1h54m51s
